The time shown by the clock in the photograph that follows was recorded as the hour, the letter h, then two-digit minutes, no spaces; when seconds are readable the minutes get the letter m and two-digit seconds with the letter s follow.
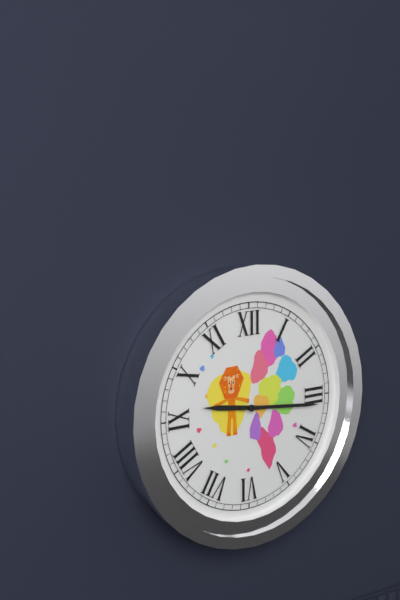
9h16
